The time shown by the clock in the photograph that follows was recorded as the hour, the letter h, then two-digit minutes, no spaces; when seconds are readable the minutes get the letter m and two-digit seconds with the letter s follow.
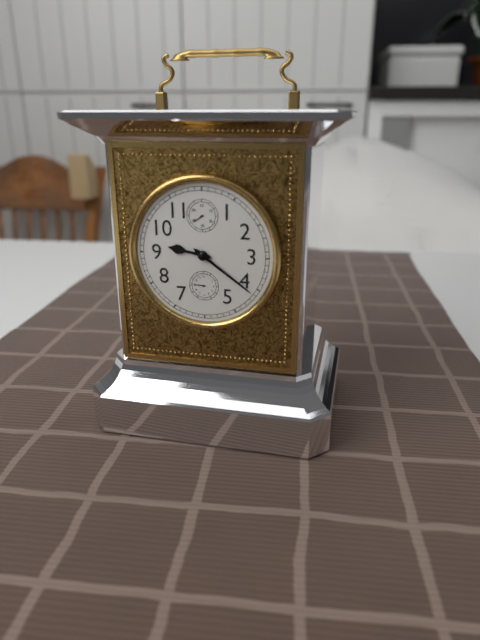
9h21
